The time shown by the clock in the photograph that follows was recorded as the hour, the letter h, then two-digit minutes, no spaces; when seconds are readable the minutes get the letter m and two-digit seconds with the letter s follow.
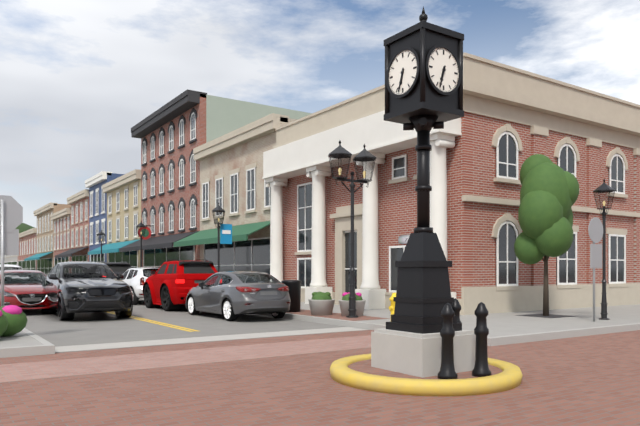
6h33
